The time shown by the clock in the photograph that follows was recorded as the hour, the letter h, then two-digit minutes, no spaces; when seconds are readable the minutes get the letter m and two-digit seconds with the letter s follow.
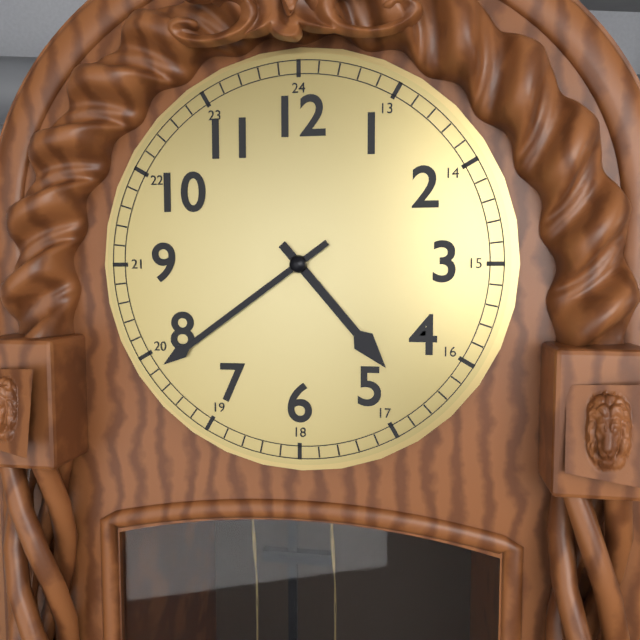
4h39
